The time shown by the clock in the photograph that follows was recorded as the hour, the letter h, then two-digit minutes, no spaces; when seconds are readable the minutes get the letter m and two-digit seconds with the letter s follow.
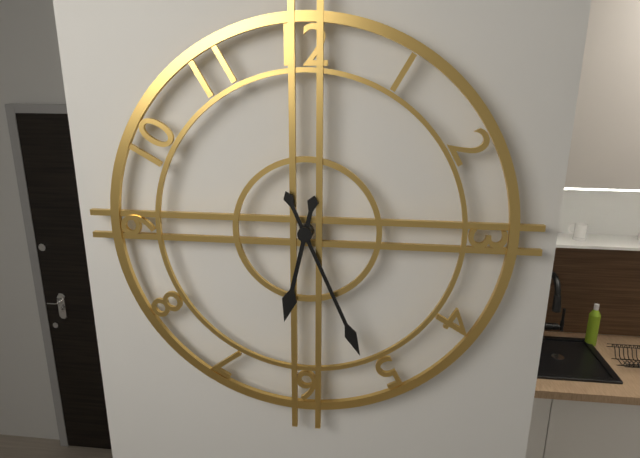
6h26
